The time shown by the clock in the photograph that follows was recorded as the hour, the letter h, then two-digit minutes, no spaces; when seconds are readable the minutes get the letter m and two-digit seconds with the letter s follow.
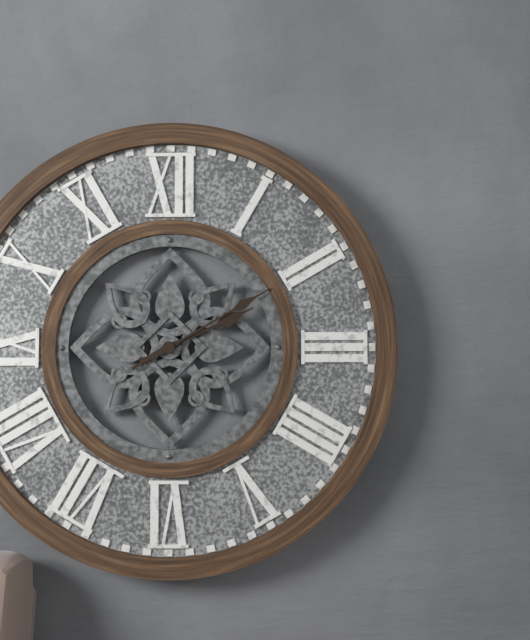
2h10
